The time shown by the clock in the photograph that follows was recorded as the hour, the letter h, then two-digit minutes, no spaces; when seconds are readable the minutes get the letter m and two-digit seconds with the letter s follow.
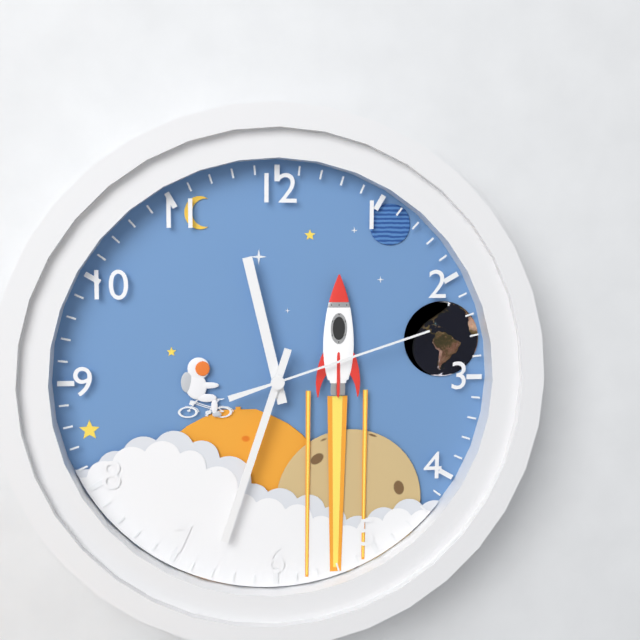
11h33m12s
